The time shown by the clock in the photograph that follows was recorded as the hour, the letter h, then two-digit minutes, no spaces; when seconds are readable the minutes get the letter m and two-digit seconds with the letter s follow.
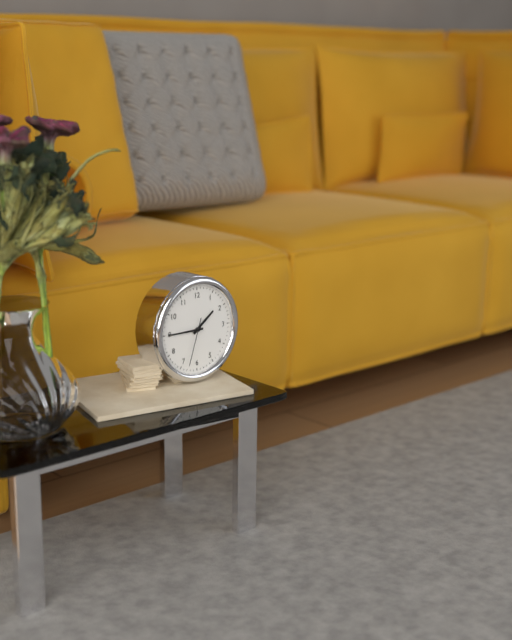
1h45
